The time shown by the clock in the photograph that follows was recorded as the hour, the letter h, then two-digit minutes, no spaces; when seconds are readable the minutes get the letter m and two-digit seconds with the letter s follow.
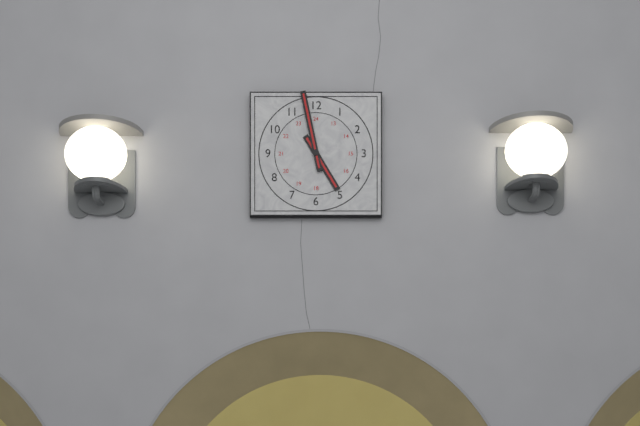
4h58
